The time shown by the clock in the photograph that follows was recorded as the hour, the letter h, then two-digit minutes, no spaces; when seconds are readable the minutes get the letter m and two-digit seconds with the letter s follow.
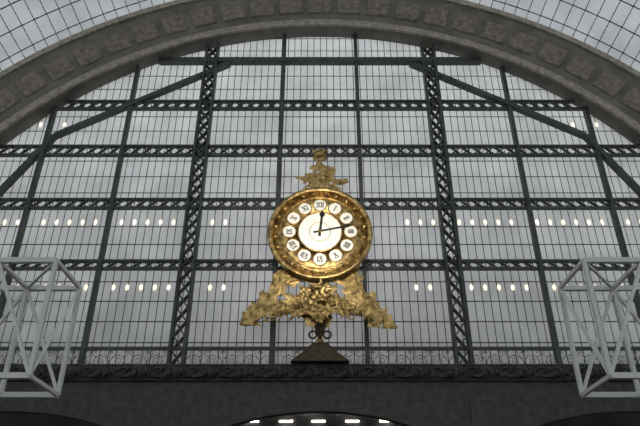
12h13
